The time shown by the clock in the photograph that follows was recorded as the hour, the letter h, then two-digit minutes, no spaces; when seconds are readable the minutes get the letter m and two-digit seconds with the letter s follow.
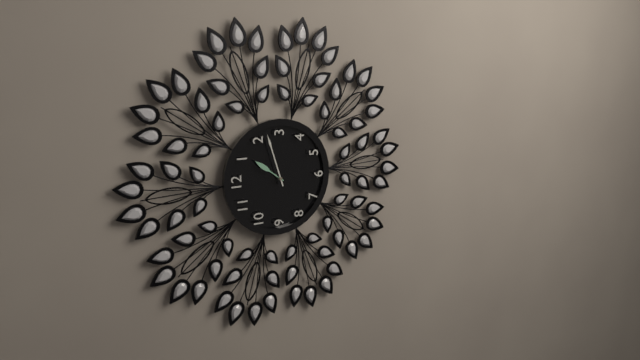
1h12
